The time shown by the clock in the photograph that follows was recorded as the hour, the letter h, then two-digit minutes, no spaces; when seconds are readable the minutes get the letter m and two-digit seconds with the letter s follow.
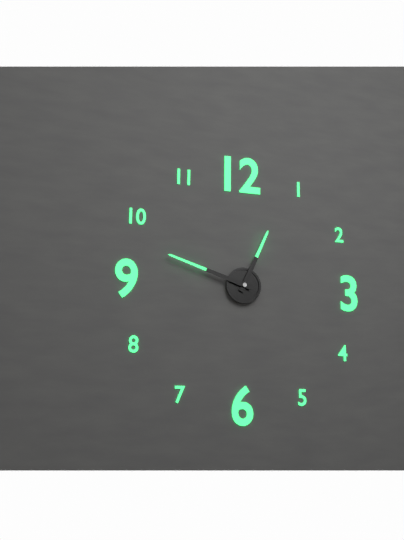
12h48
